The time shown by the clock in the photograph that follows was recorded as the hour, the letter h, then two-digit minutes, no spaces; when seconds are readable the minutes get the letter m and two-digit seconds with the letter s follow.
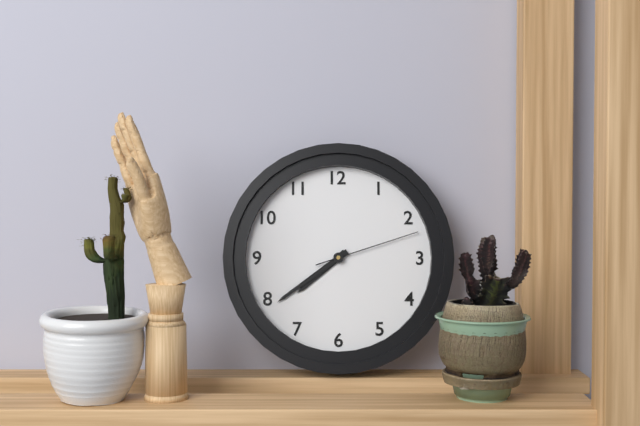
7h39m12s
